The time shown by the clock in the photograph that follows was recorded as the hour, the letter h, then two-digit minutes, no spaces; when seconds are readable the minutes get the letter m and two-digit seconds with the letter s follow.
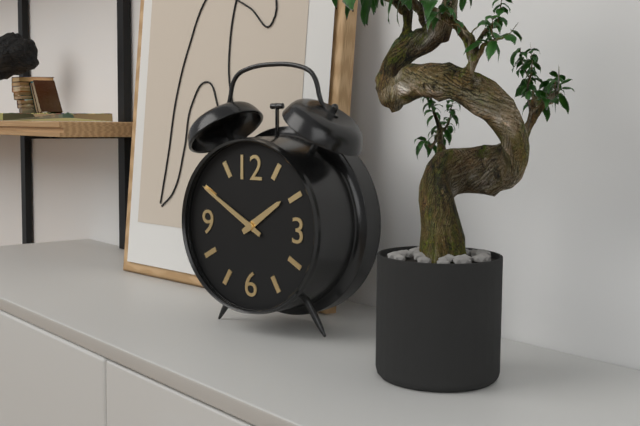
1h50
